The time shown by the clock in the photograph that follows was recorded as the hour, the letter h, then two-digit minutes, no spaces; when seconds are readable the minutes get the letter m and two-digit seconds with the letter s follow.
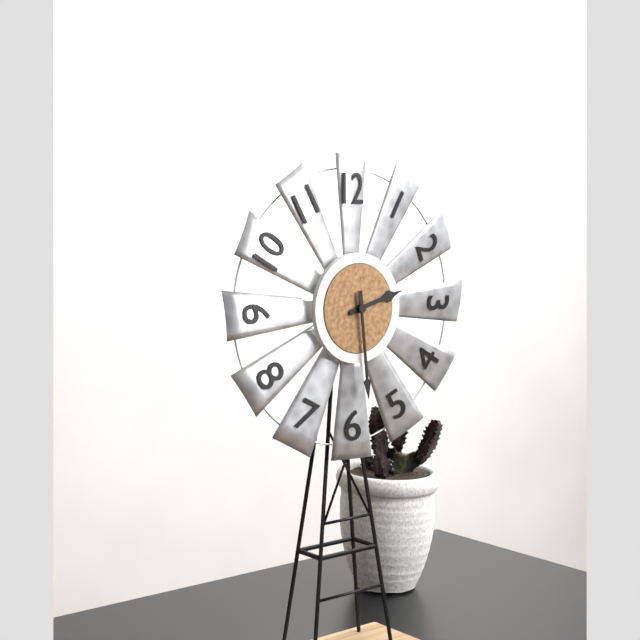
2h29
